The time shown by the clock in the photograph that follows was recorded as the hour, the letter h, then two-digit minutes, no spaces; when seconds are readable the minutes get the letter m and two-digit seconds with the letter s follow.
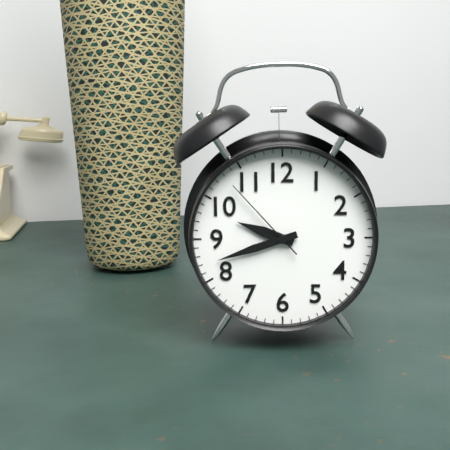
9h42m53s
